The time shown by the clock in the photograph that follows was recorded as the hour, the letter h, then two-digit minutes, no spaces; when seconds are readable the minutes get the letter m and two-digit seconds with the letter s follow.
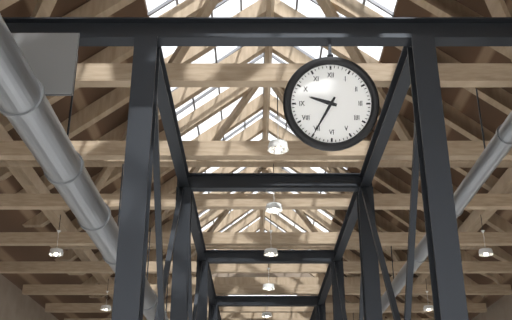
9h35
